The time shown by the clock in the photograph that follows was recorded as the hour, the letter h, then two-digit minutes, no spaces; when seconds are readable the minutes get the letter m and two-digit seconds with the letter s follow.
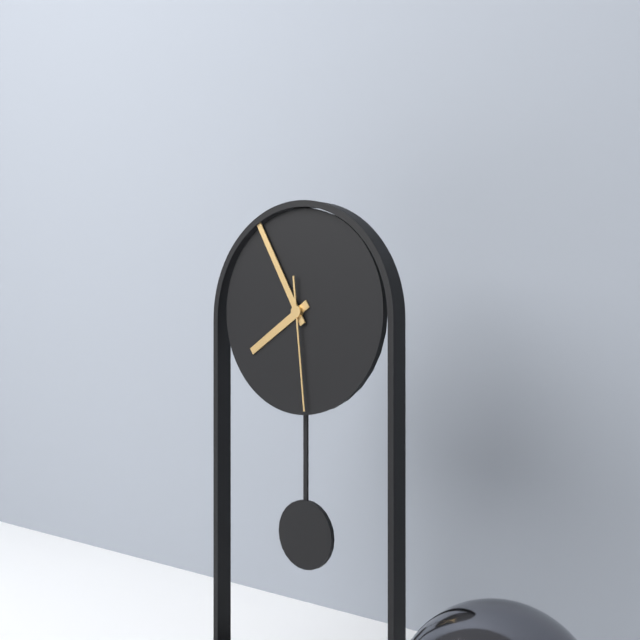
7h55m29s
